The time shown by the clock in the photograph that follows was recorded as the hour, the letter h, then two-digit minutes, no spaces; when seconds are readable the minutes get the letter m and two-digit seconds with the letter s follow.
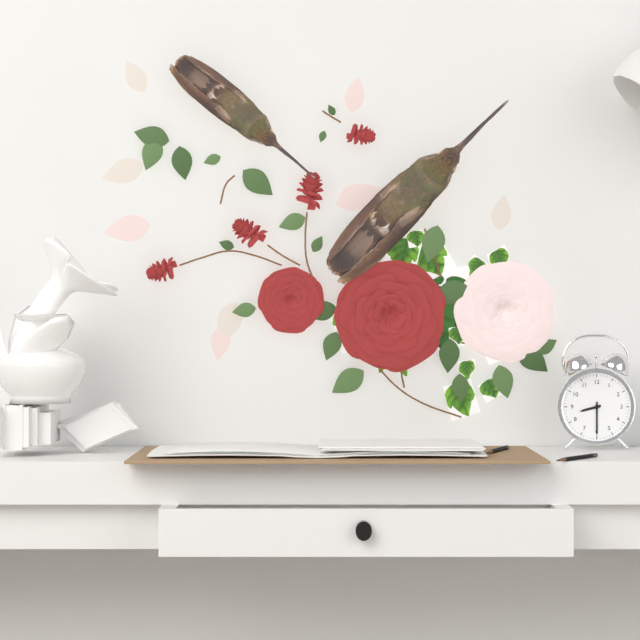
8h30
